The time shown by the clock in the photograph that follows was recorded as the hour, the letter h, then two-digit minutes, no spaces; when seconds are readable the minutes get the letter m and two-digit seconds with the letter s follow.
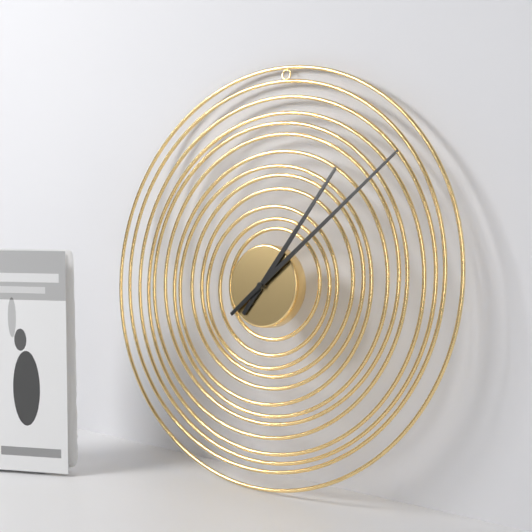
1h08
